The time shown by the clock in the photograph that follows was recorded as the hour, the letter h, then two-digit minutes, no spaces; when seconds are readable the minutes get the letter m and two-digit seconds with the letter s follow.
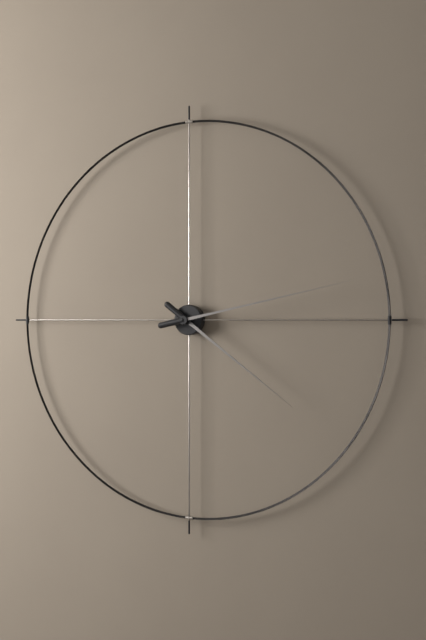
4h13
